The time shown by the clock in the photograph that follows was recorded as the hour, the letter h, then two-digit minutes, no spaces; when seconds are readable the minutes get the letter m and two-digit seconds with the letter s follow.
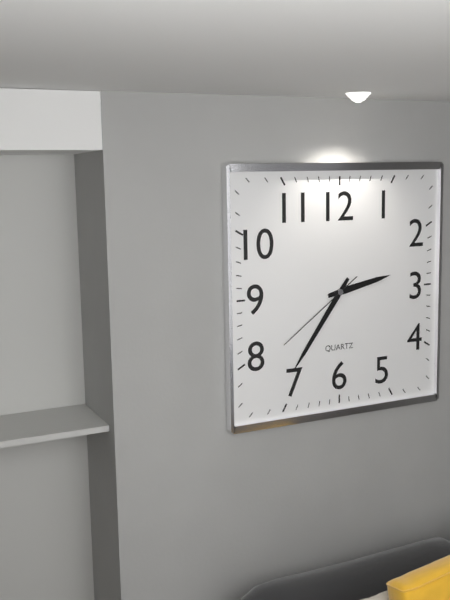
2h36m39s
